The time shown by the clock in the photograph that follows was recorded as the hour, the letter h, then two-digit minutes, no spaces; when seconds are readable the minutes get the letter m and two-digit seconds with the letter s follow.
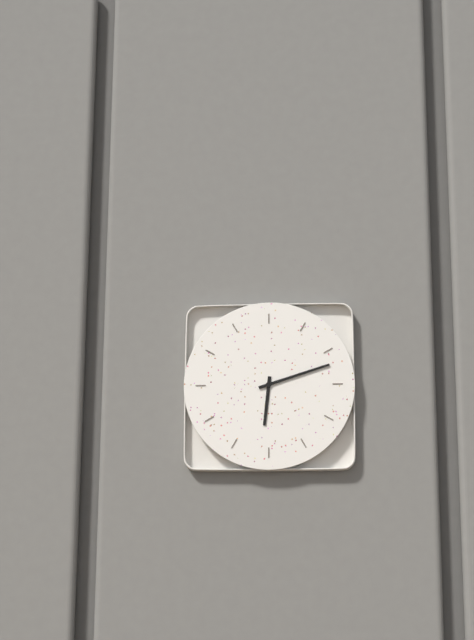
6h12
